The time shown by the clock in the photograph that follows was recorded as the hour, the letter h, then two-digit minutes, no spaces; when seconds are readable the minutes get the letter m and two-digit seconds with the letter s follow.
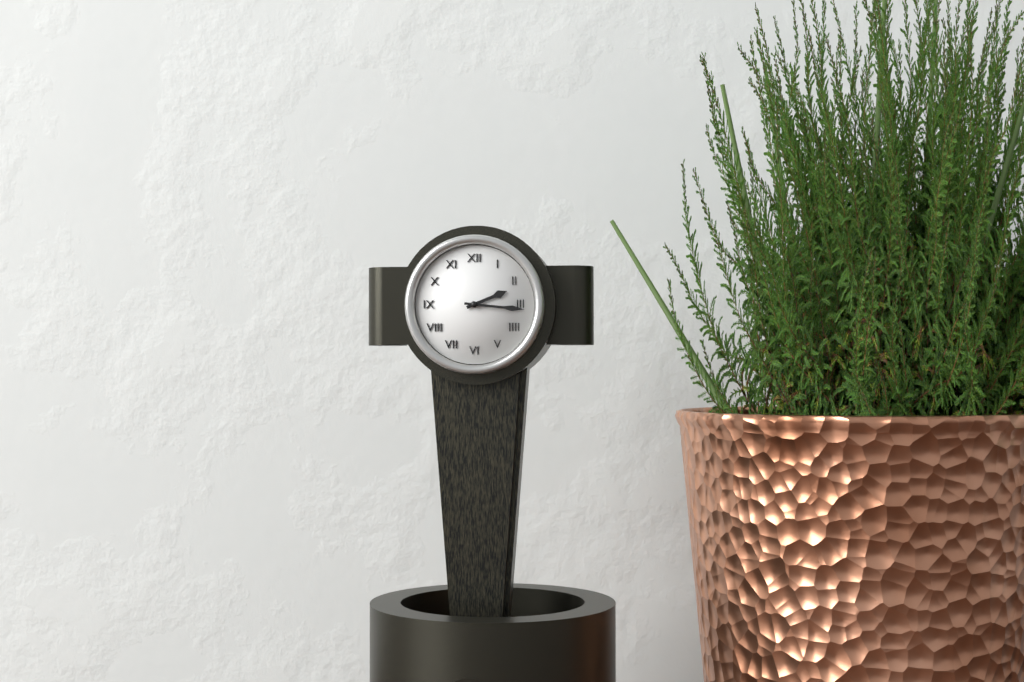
2h16
